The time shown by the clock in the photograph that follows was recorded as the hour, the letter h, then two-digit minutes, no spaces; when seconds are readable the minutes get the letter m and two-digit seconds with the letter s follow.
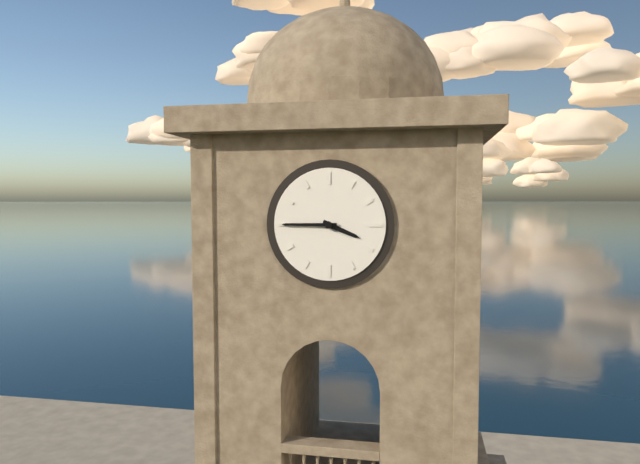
3h45
